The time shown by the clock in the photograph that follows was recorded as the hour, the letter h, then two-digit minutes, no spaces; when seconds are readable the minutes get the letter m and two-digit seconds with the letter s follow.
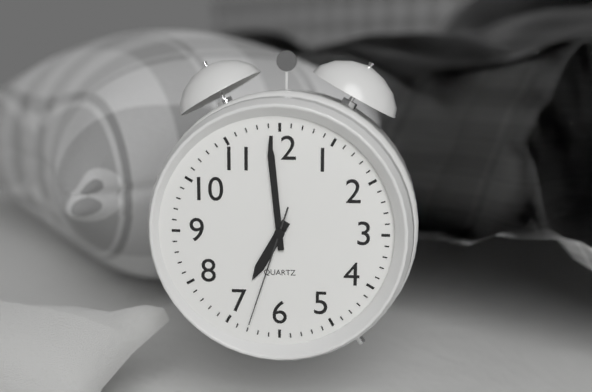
6h59m33s
